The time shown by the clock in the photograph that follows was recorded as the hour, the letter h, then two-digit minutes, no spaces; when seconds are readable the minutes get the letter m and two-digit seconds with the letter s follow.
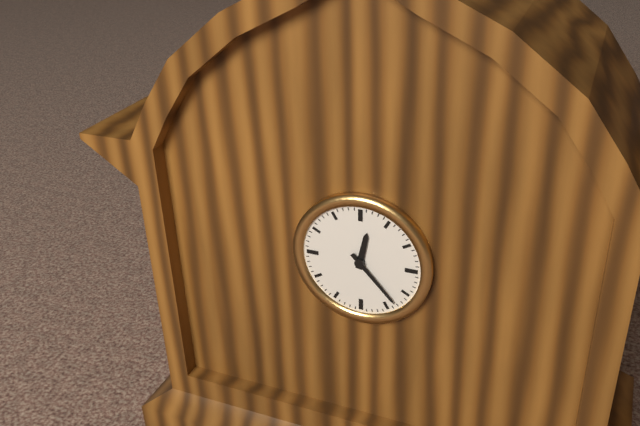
12h23
